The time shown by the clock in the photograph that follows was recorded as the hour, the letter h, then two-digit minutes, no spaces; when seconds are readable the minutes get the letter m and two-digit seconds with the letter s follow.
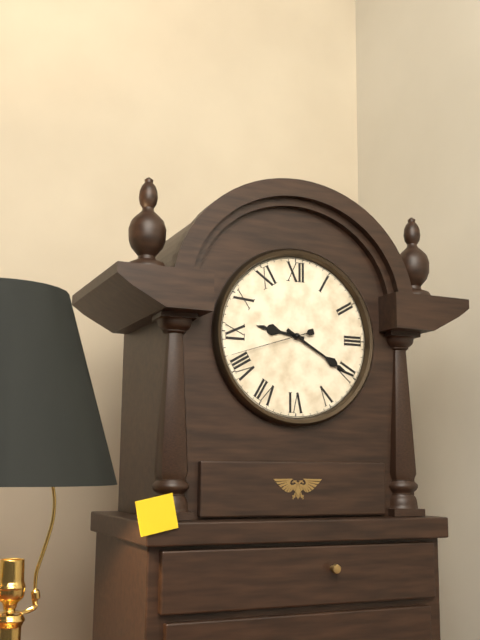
9h20m42s
